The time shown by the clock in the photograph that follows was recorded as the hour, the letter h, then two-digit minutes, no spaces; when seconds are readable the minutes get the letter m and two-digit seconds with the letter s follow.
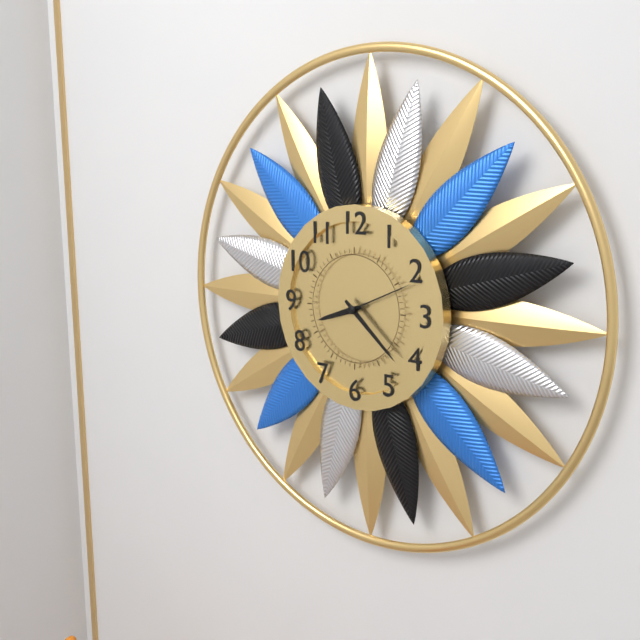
8h22
